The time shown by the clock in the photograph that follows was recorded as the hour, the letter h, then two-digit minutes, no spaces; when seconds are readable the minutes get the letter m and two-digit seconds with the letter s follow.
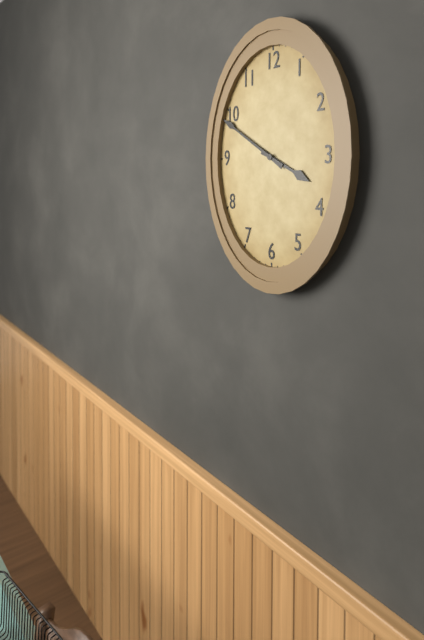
3h50
